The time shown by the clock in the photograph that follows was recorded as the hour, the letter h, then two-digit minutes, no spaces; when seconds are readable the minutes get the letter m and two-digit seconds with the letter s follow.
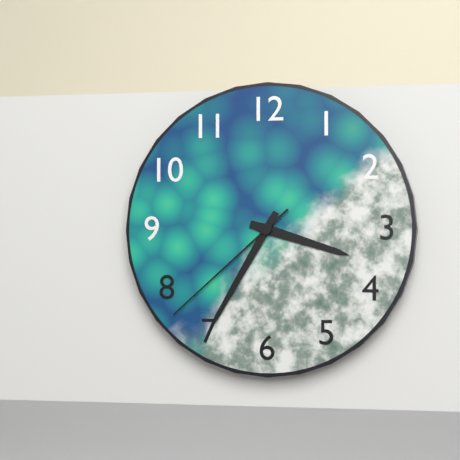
3h35m38s
